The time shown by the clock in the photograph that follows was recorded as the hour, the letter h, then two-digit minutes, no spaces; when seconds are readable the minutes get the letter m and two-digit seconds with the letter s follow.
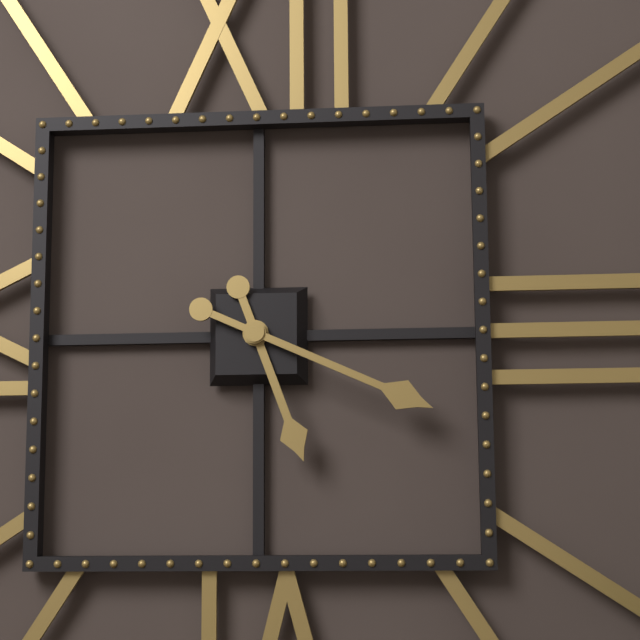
5h19
